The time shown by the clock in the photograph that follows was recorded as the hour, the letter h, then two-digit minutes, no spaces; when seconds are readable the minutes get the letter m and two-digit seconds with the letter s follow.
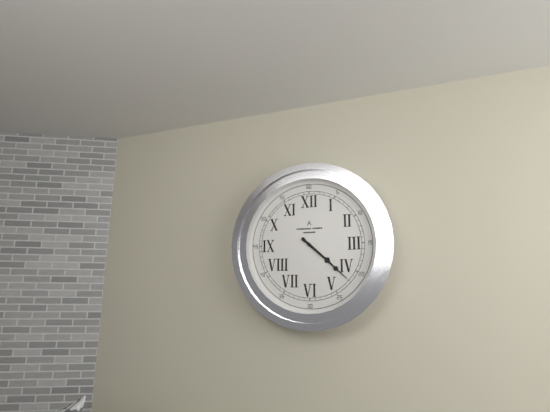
4h22
